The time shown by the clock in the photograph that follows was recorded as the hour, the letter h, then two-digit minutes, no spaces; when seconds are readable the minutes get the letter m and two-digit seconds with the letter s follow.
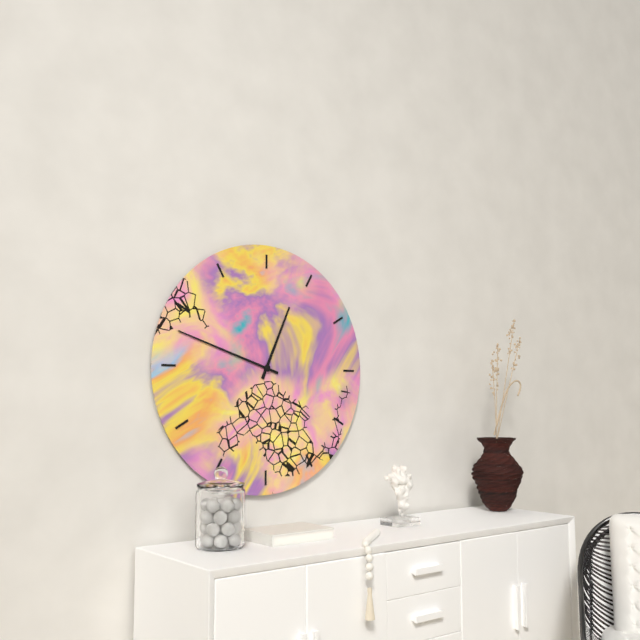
12h48
